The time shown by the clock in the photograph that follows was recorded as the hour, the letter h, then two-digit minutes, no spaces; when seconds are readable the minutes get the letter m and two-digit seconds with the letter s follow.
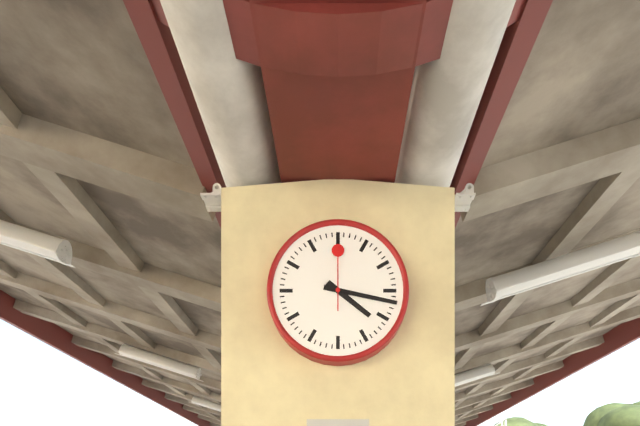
4h17m00s
